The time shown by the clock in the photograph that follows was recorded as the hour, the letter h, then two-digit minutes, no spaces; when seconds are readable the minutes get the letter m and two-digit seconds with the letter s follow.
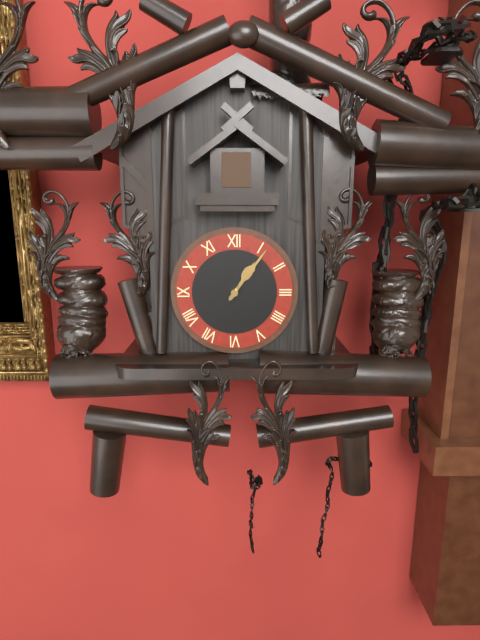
1h06
